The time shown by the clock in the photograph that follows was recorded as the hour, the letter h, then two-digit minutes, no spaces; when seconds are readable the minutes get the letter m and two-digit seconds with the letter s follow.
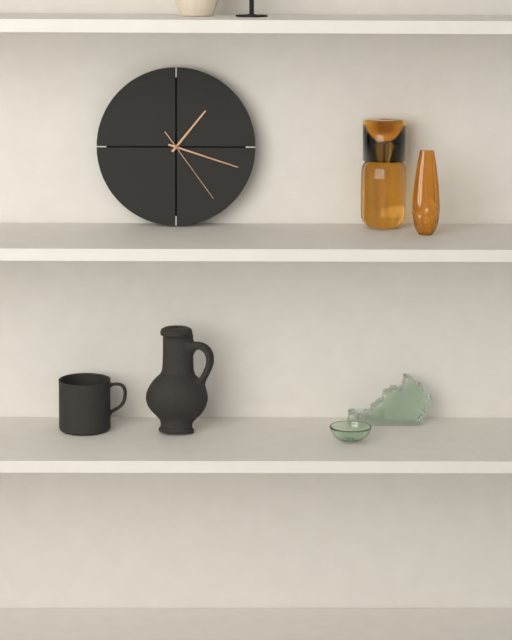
1h18m24s
